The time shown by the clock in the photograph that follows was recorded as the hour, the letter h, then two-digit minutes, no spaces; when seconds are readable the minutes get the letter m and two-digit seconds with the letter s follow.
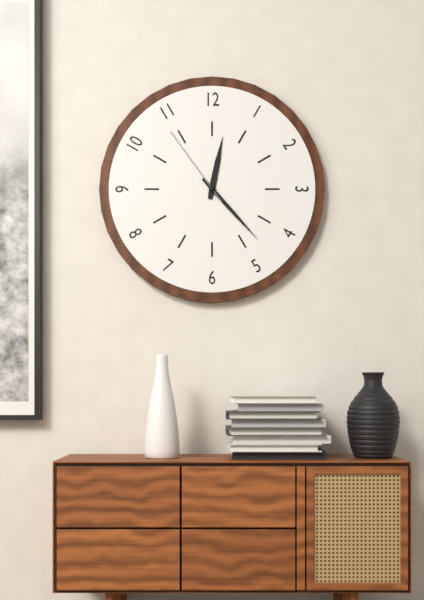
12h23m54s
